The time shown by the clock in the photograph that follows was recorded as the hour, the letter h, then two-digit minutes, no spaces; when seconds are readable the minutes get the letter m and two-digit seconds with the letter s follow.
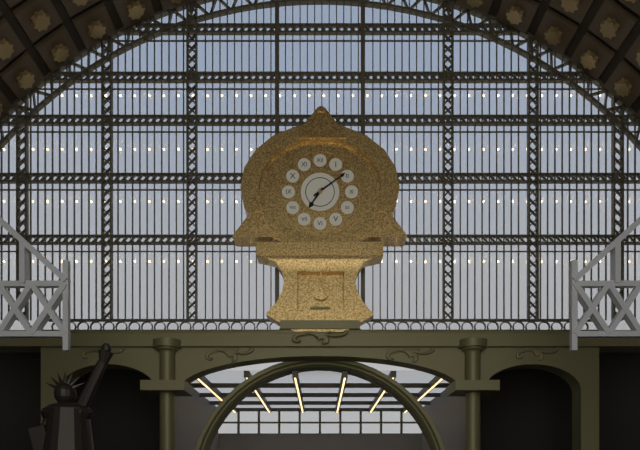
7h09
